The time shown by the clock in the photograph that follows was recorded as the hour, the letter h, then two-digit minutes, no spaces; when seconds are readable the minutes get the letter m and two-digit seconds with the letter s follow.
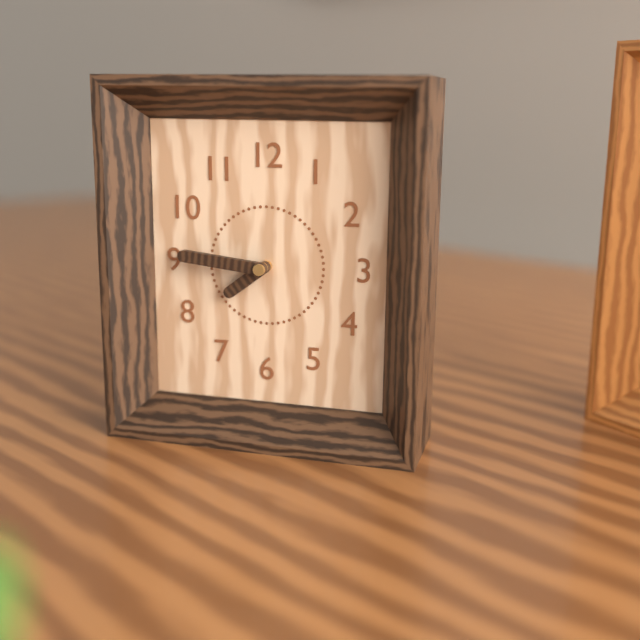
7h46
